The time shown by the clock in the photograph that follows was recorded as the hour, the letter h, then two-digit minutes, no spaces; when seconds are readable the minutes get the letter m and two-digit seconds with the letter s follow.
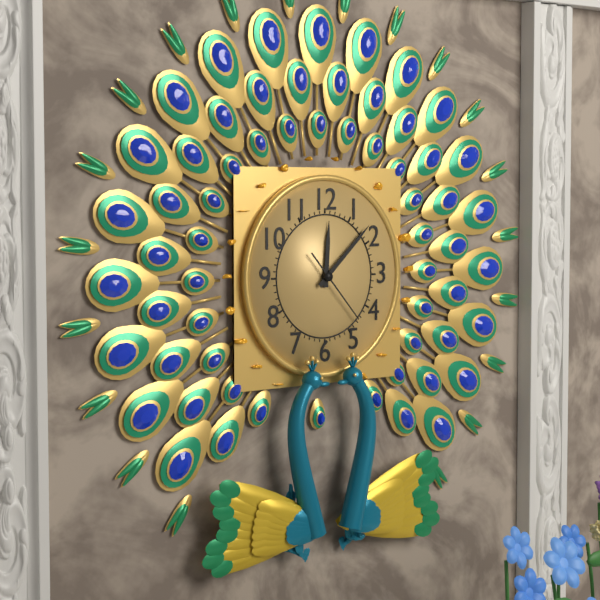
12h08m23s
